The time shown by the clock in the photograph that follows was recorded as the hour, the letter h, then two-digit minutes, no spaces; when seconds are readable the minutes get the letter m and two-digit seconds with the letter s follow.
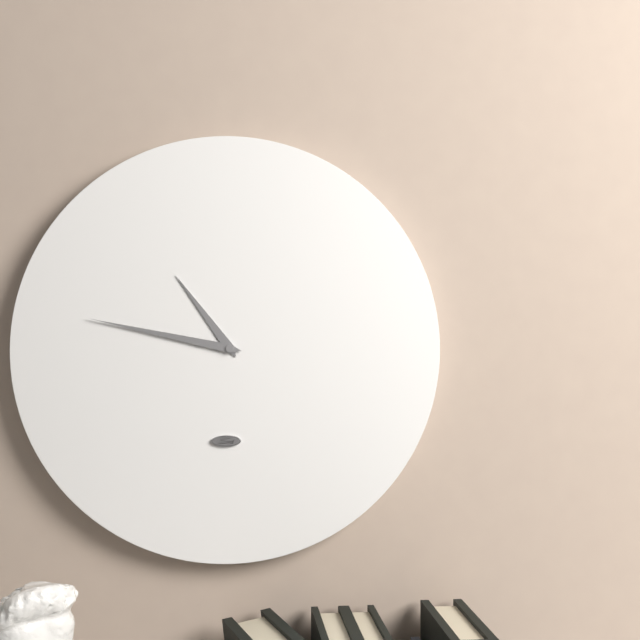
10h47
